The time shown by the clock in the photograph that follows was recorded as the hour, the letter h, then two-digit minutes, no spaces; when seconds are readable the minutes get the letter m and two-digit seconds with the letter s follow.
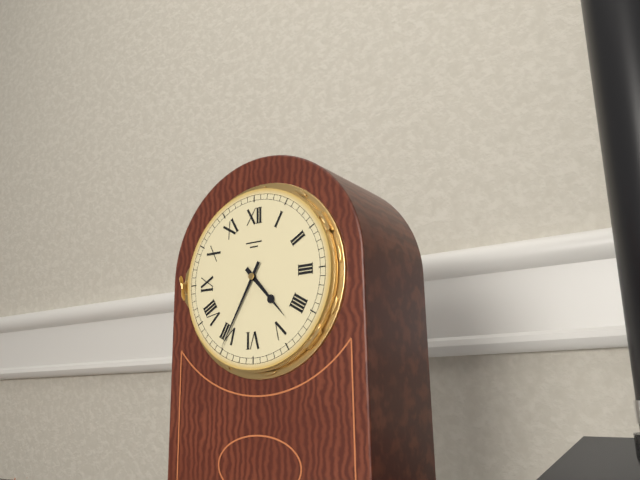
4h35
